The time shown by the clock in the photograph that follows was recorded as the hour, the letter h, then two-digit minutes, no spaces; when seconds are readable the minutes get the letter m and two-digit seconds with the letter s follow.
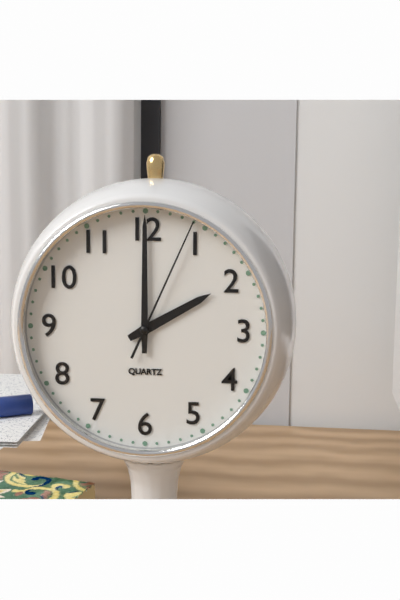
2h00m04s
